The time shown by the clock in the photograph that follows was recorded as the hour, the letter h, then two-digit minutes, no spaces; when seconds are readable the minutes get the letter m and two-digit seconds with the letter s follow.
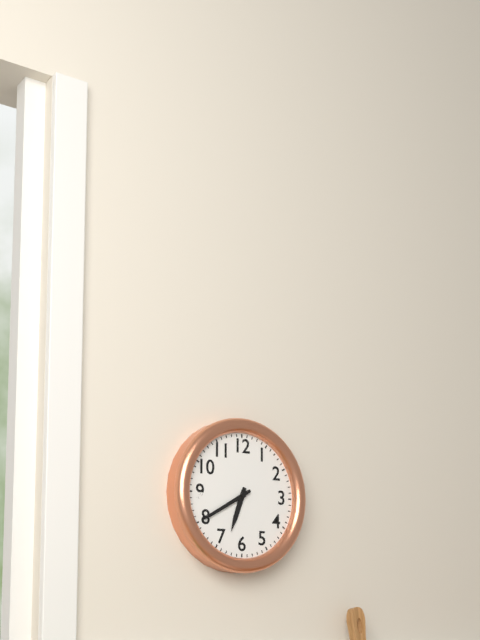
6h40
